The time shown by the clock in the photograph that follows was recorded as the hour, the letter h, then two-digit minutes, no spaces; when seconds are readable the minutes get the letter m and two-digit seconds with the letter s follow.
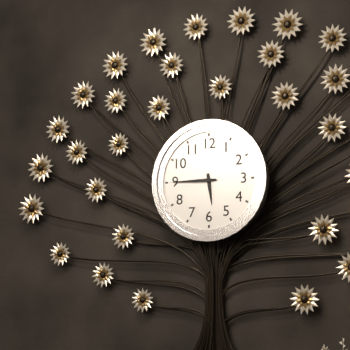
5h45
